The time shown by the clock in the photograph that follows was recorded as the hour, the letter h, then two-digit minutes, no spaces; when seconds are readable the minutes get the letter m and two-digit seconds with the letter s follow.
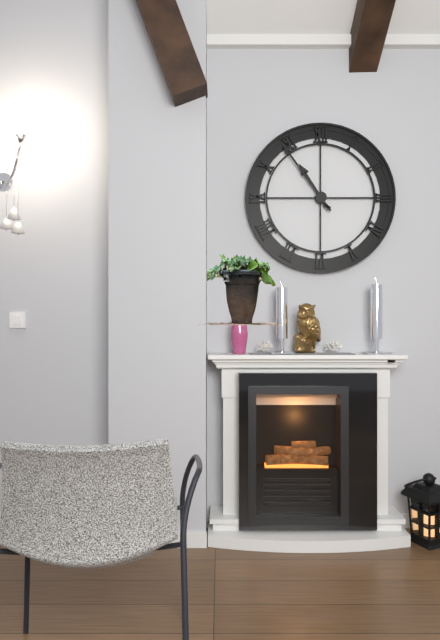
10h54
